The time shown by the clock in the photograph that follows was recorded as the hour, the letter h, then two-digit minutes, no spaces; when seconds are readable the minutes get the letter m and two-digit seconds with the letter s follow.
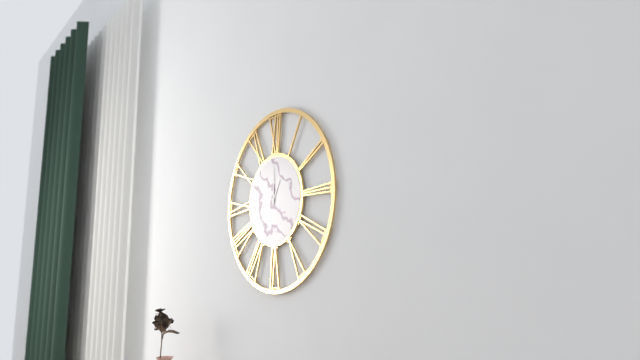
1h00
